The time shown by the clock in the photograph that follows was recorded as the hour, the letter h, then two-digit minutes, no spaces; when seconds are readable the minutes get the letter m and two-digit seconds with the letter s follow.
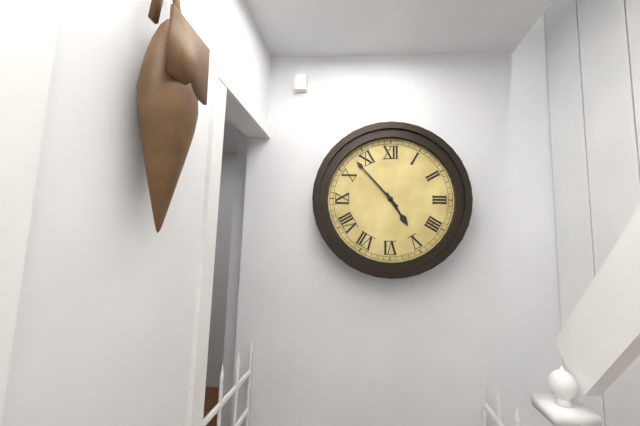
4h53
